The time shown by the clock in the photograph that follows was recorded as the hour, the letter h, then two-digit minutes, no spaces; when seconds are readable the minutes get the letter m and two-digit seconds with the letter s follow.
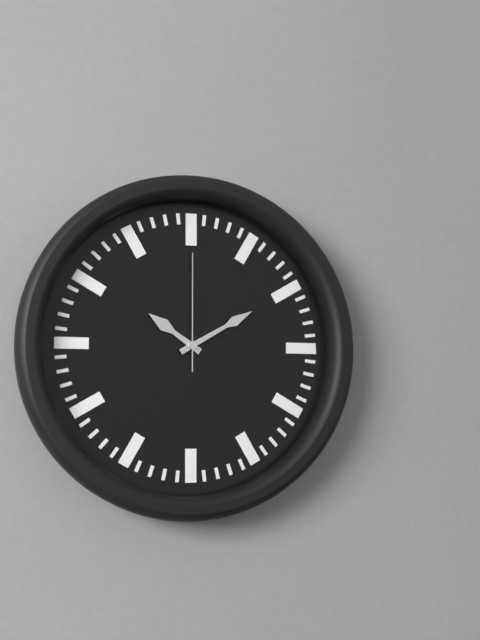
10h10m00s
